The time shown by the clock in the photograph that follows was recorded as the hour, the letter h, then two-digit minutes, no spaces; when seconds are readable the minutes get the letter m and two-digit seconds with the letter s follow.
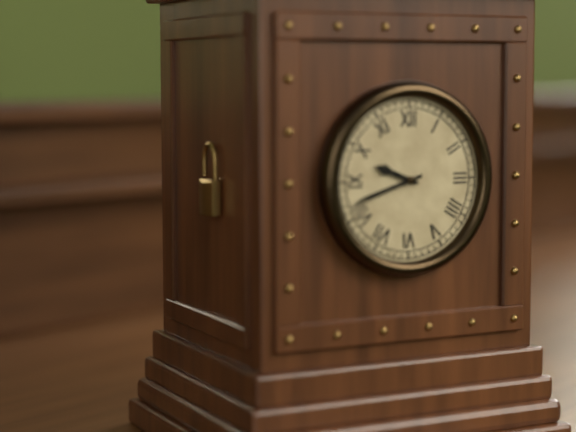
9h42
